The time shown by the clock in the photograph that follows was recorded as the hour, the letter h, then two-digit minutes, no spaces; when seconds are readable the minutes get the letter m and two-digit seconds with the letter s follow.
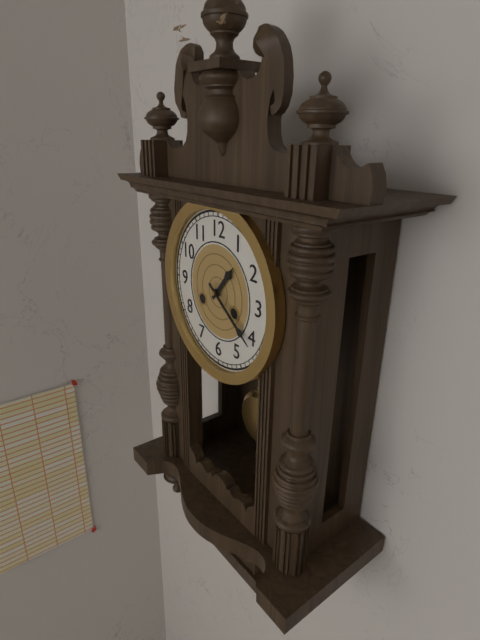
1h21
